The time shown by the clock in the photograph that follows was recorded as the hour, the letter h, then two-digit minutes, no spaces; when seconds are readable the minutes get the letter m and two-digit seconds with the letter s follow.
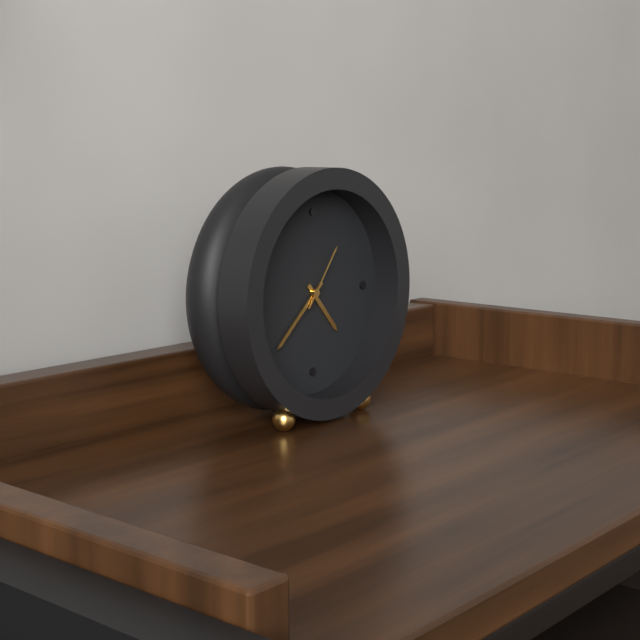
4h38m06s
